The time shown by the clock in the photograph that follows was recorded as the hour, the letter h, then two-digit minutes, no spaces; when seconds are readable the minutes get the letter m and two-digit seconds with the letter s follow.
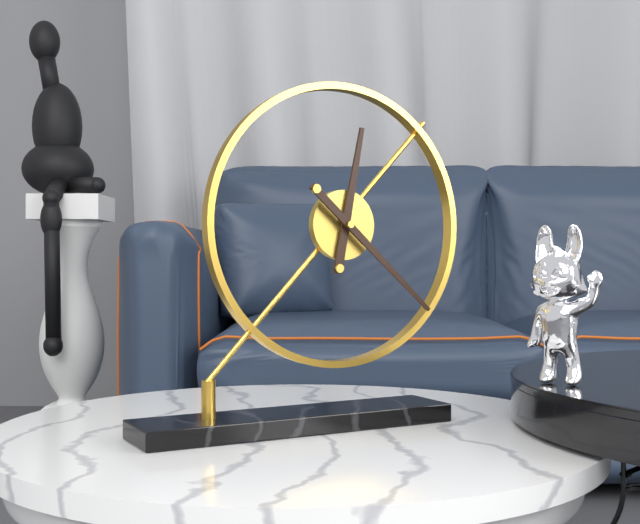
12h22
